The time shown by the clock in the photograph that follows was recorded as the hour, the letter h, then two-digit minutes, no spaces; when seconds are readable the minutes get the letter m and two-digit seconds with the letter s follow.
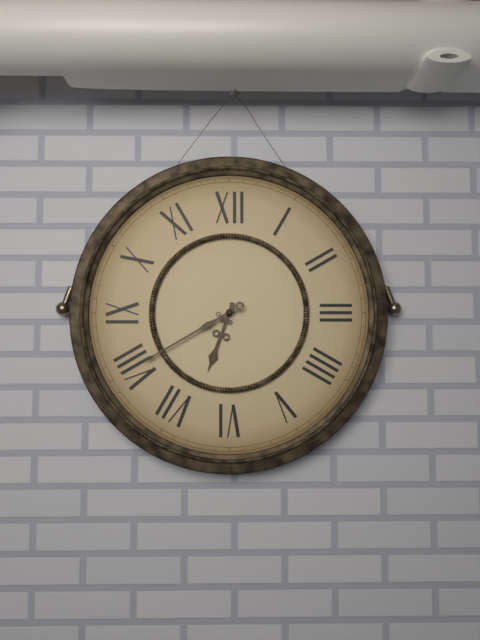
6h40
